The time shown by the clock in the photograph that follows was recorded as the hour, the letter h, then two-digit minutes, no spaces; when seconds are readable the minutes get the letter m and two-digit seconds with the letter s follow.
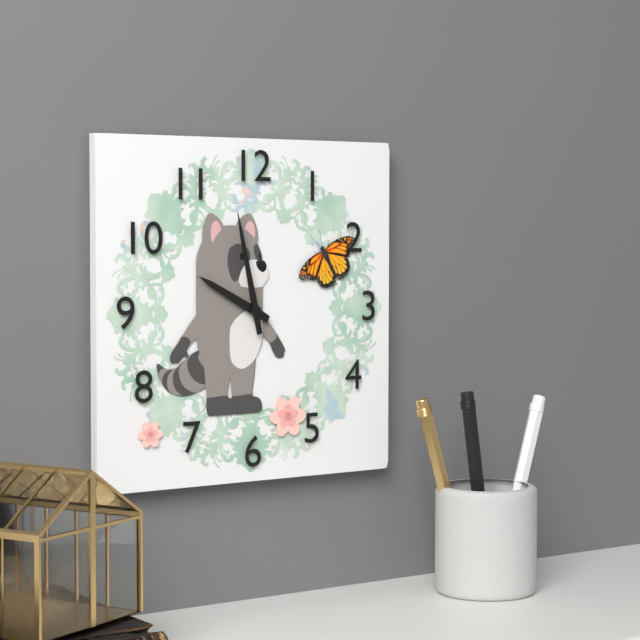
9h58
